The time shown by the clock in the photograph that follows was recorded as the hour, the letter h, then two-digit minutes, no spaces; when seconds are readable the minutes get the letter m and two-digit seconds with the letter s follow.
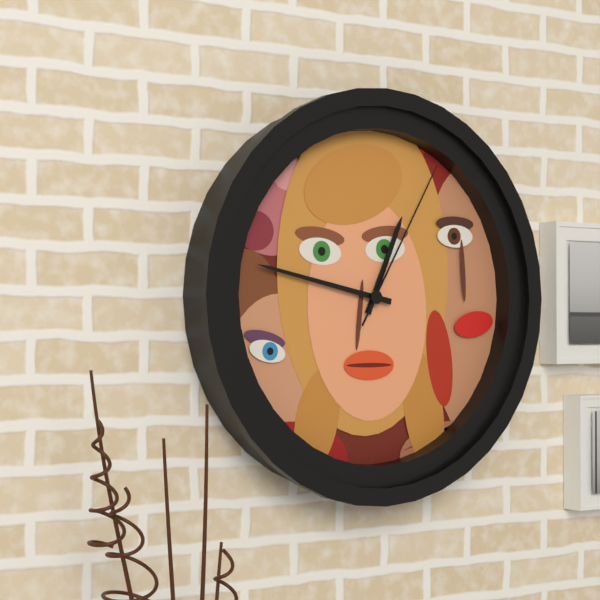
12h47m05s
